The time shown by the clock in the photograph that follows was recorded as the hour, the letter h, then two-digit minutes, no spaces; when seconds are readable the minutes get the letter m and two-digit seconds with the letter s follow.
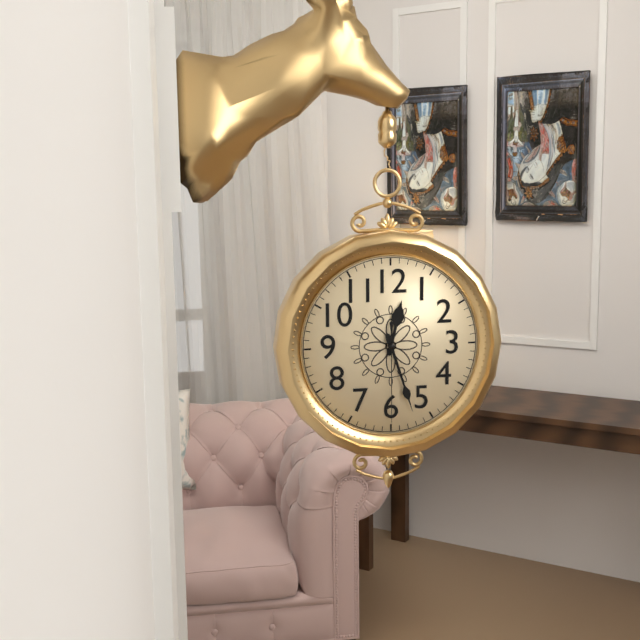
12h27m30s
